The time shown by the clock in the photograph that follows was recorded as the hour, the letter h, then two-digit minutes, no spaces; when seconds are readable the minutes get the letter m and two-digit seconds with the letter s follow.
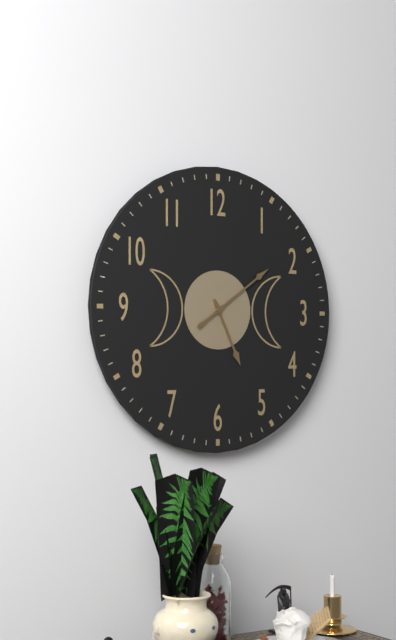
5h09
